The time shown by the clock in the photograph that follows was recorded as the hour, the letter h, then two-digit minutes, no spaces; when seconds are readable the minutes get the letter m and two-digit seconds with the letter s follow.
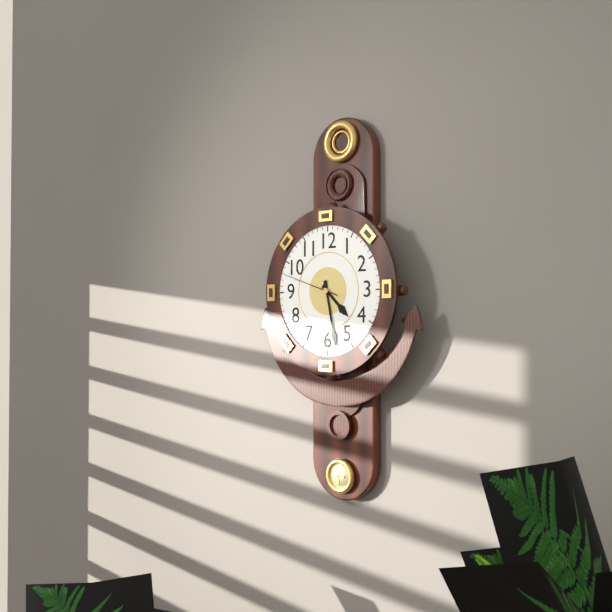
4h28m48s
